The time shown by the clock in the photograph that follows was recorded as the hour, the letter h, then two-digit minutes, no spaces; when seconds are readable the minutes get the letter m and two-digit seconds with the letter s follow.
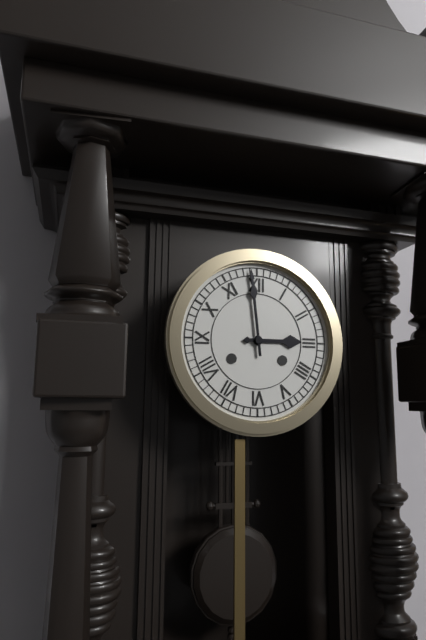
2h59
